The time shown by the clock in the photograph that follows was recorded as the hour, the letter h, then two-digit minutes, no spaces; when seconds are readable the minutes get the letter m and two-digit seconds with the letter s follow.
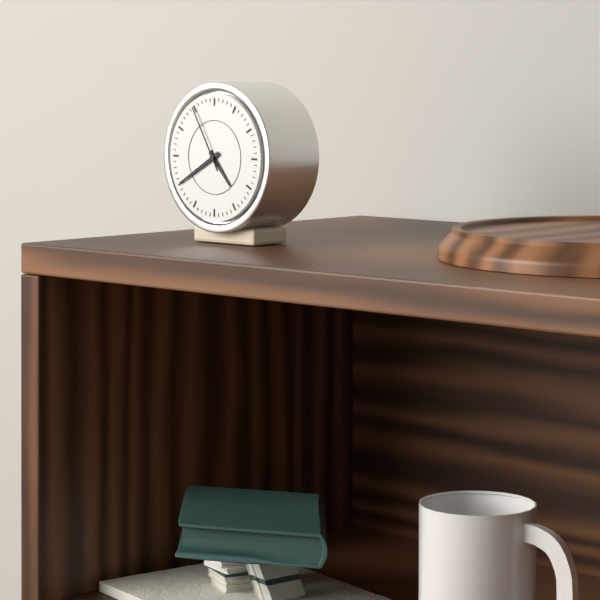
4h40m55s
